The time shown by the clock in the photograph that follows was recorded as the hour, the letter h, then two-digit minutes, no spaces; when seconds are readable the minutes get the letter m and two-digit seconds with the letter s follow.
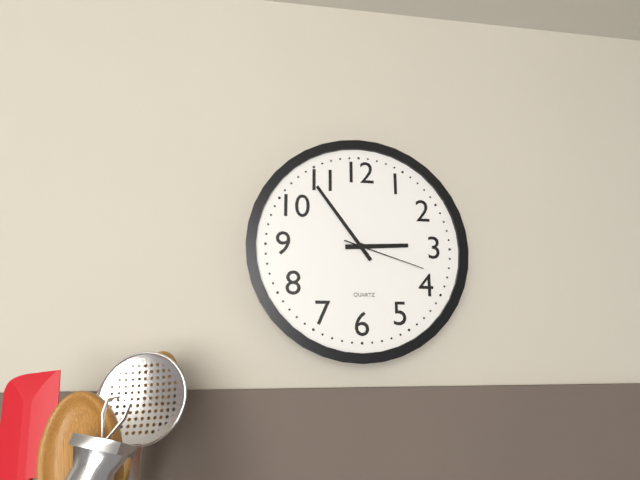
2h54m18s
